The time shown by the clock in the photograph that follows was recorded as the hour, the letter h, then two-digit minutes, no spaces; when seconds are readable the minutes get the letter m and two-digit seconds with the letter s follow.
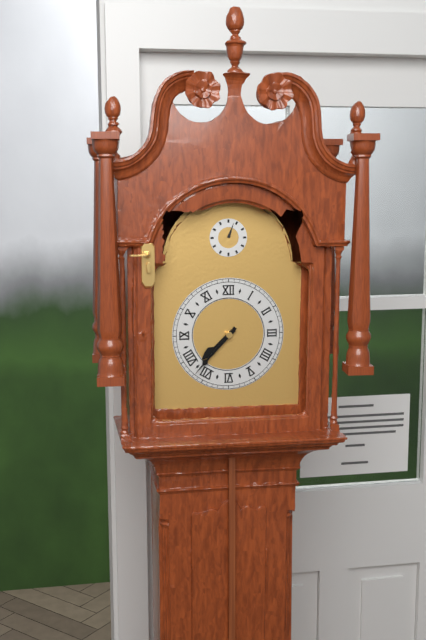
7h37
